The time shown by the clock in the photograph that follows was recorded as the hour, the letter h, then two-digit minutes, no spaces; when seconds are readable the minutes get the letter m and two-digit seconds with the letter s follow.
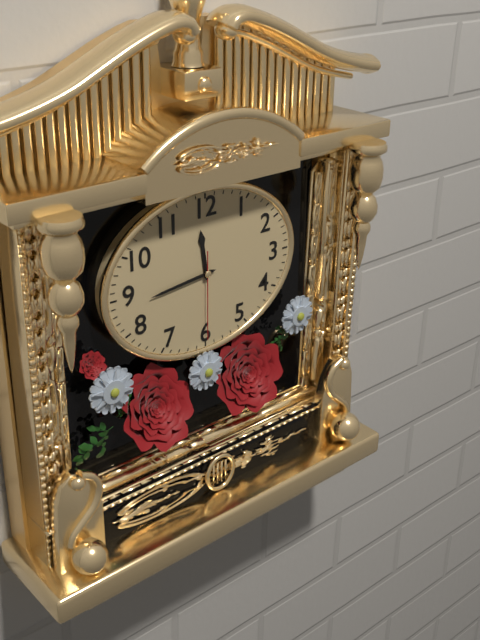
11h44m30s
